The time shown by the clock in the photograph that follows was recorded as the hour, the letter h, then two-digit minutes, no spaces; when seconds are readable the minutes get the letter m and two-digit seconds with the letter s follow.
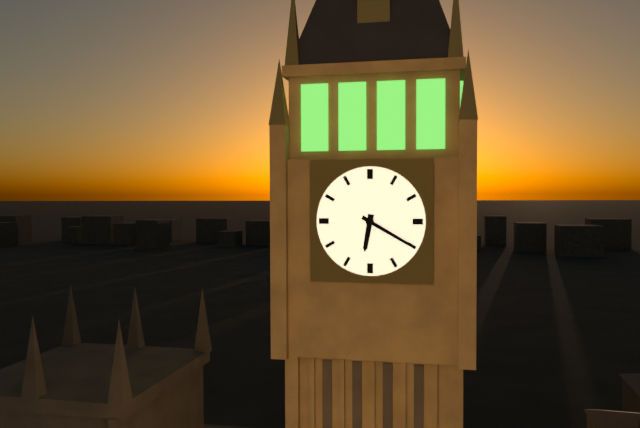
6h20
